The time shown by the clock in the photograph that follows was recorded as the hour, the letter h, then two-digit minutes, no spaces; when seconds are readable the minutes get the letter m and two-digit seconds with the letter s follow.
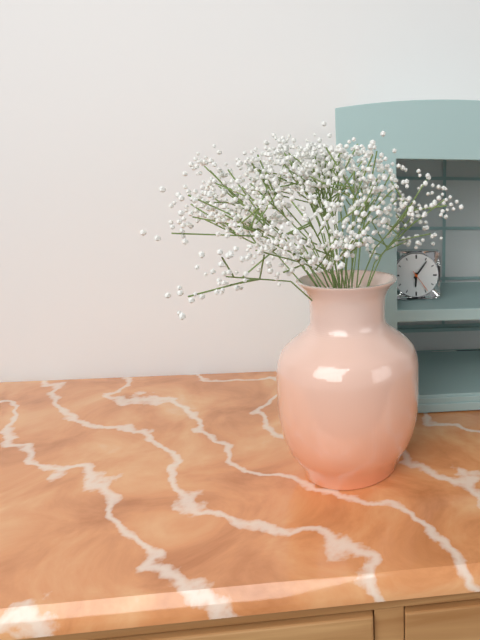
6h06
